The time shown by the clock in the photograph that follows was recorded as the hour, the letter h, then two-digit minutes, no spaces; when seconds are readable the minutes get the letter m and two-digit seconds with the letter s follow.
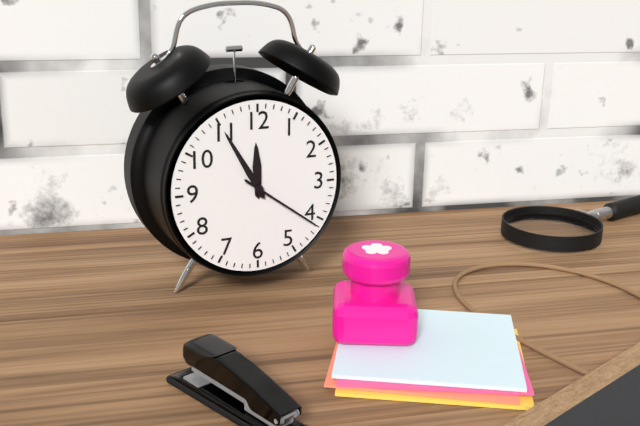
11h55m21s
